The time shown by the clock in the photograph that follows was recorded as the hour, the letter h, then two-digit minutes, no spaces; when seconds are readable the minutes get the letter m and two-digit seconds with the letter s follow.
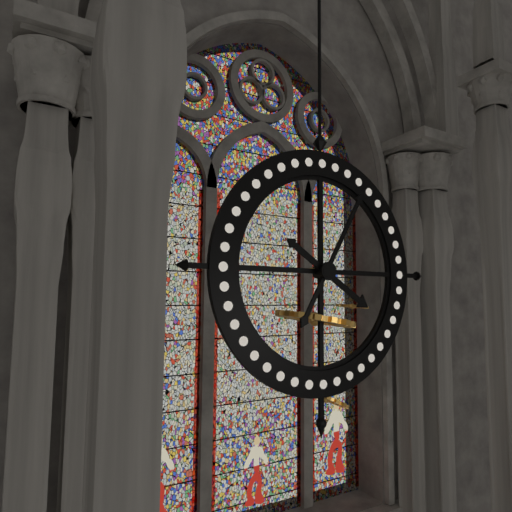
4h05
